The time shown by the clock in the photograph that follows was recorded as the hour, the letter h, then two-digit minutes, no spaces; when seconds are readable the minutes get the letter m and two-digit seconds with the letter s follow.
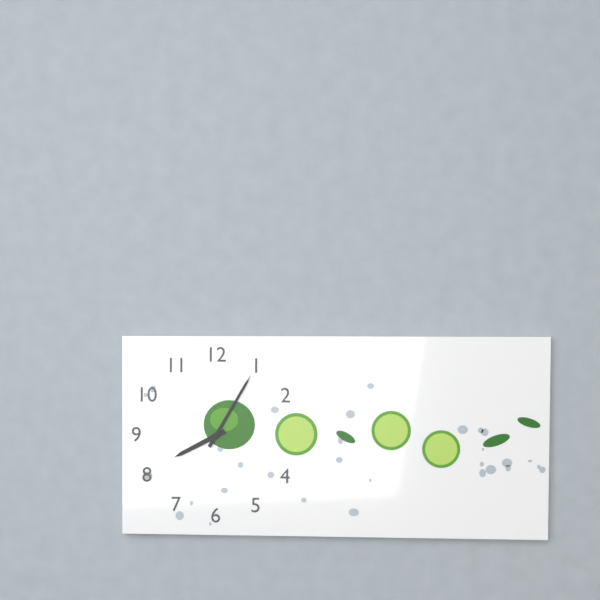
8h05
